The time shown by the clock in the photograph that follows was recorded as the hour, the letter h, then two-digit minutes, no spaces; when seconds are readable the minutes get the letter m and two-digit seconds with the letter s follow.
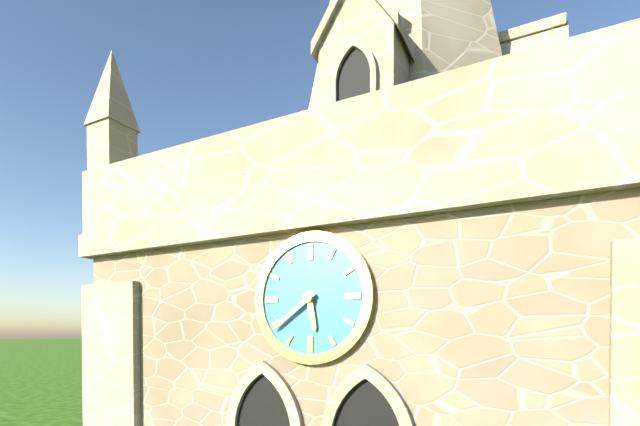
5h39
